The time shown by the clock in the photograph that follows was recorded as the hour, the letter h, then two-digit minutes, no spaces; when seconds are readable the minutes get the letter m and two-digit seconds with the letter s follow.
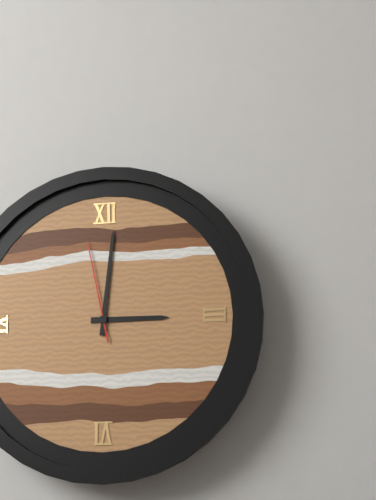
3h01m58s
